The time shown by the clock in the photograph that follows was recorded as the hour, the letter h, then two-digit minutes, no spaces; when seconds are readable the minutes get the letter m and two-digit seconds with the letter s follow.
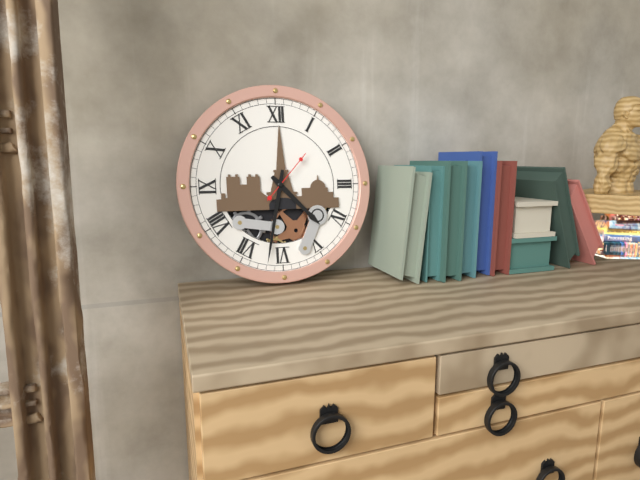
4h32m07s
